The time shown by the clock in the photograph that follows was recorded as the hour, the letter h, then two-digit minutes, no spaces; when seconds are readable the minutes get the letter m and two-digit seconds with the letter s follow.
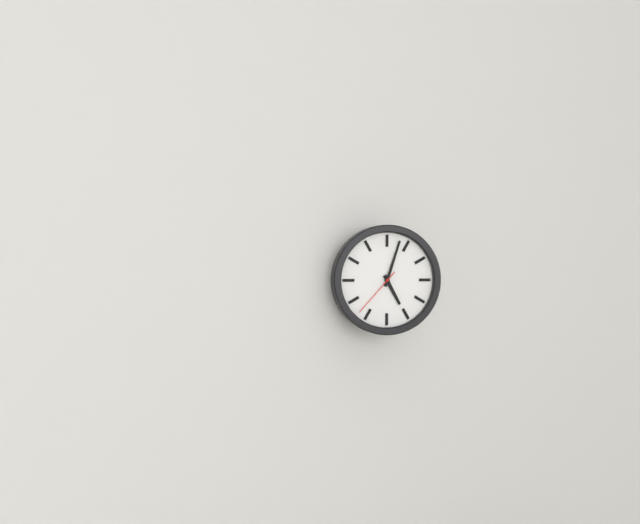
5h03m37s
